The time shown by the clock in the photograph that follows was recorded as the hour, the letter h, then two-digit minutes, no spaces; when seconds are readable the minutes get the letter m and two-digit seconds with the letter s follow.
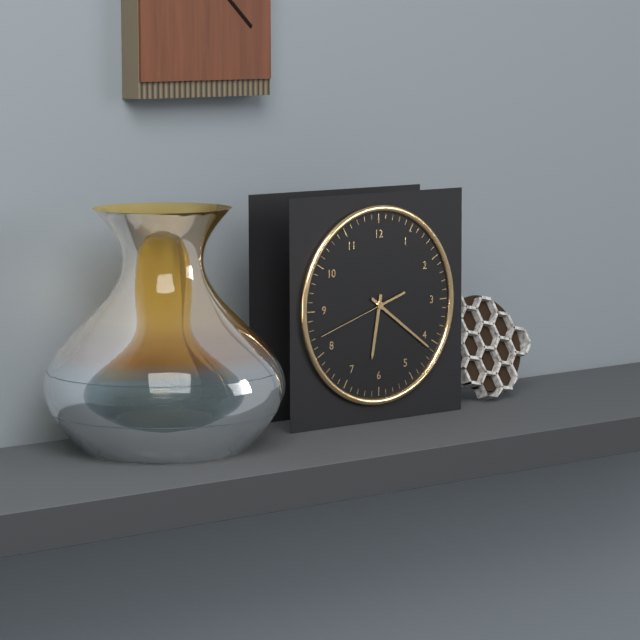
6h21m42s
